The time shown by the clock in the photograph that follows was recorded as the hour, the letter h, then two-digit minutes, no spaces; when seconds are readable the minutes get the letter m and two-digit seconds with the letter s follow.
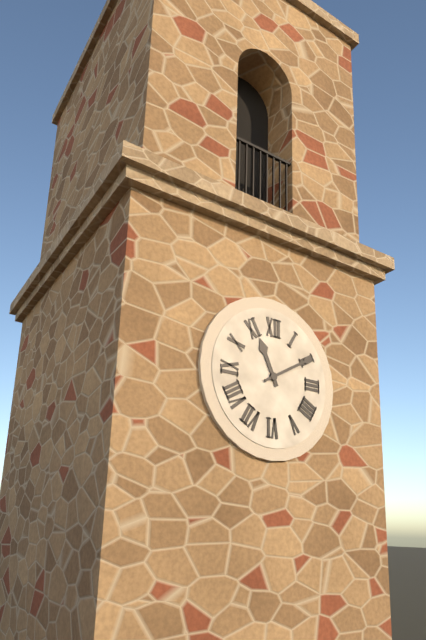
11h10
